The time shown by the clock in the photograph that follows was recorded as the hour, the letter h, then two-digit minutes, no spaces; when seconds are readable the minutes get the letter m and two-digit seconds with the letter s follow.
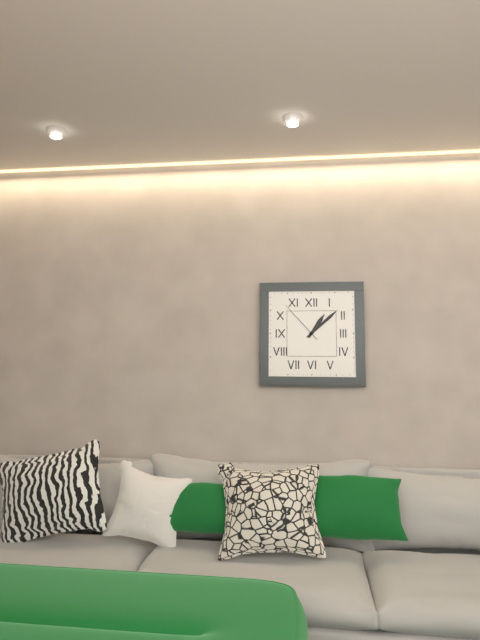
1h08
